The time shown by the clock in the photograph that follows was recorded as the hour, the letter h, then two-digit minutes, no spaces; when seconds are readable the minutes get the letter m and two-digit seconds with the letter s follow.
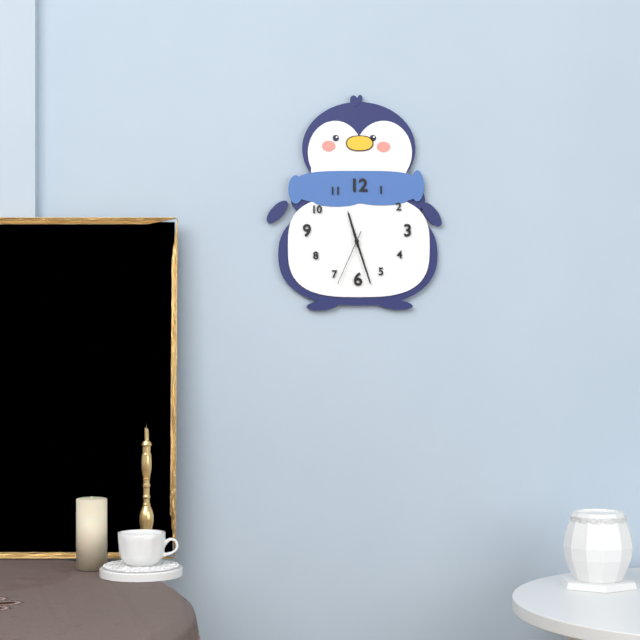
11h27m34s
